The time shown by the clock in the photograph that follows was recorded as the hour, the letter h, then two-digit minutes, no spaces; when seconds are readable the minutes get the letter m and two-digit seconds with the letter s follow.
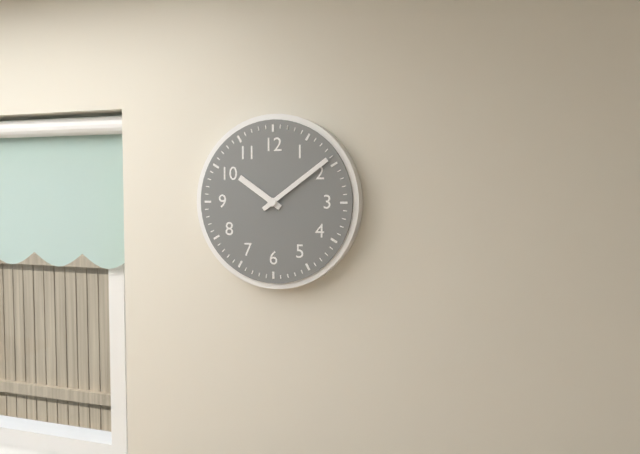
10h09
